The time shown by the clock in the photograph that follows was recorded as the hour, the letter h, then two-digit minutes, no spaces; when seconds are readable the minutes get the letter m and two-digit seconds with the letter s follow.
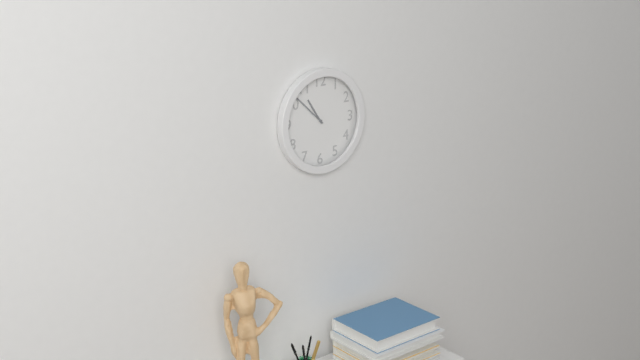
10h52
